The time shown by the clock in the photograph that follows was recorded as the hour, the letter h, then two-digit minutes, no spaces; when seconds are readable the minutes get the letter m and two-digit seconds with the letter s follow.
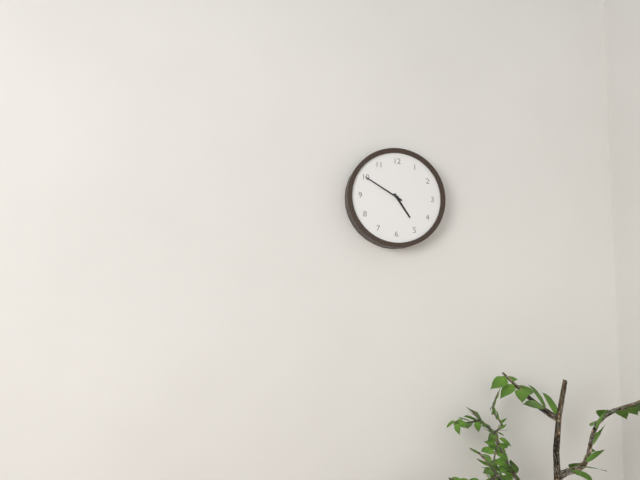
4h50
